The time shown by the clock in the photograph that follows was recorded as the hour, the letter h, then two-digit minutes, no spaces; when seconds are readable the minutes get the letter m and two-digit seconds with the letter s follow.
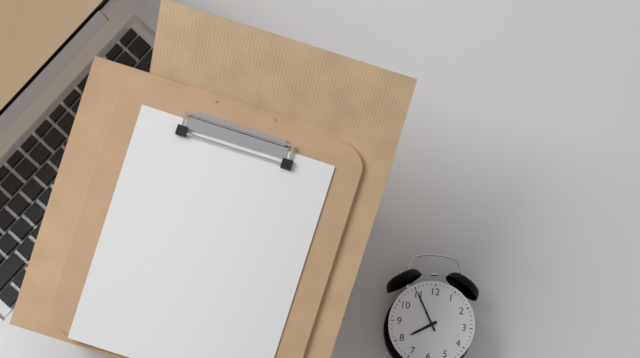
7h55
